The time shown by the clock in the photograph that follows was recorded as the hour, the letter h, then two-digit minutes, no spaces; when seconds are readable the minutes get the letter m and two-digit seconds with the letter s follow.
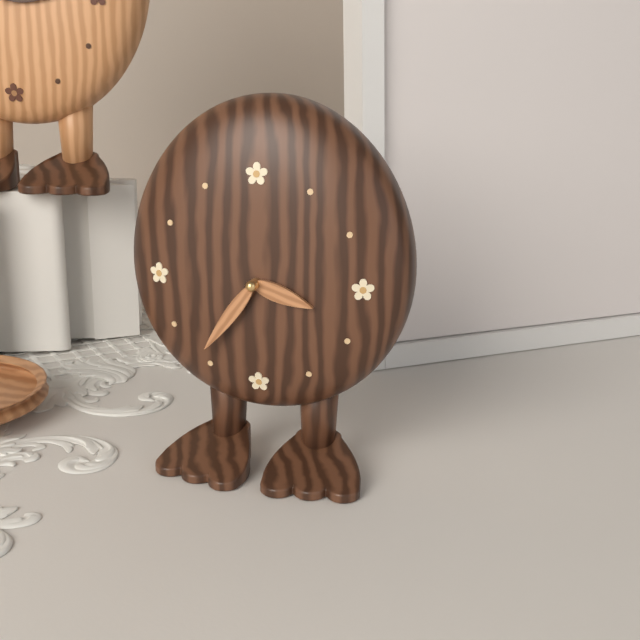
3h36
